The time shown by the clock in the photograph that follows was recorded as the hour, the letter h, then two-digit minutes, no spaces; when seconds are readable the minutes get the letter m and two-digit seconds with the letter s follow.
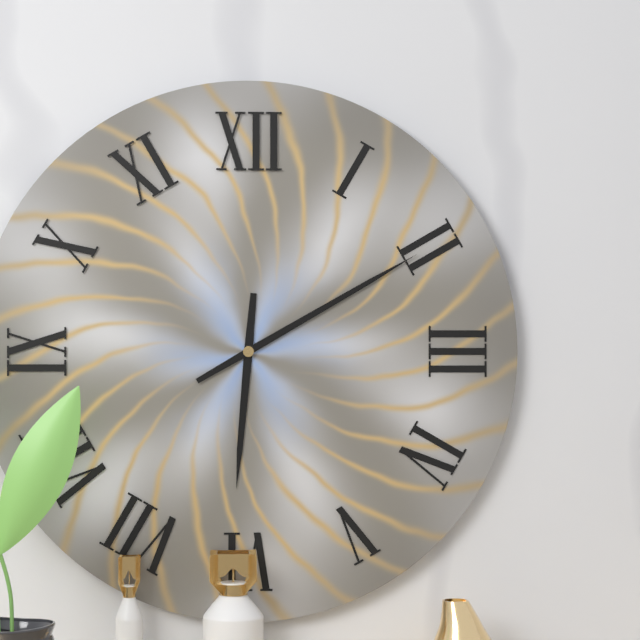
6h10
